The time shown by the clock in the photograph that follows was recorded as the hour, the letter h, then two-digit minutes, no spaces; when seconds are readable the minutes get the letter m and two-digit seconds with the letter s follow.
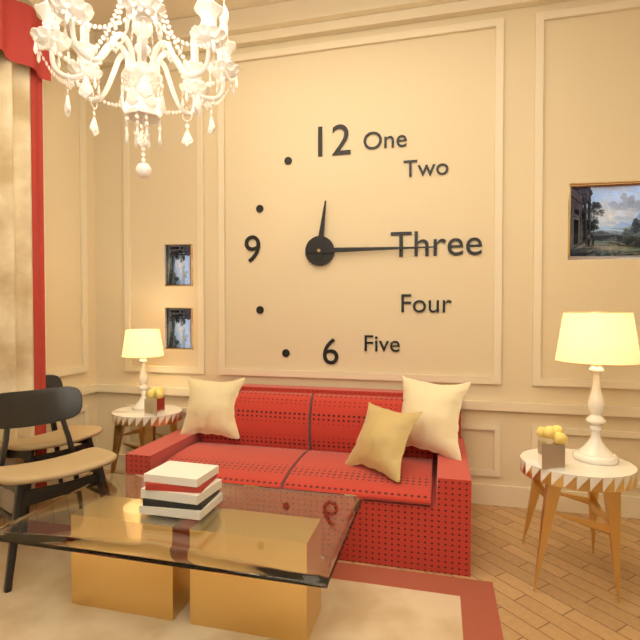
12h15
